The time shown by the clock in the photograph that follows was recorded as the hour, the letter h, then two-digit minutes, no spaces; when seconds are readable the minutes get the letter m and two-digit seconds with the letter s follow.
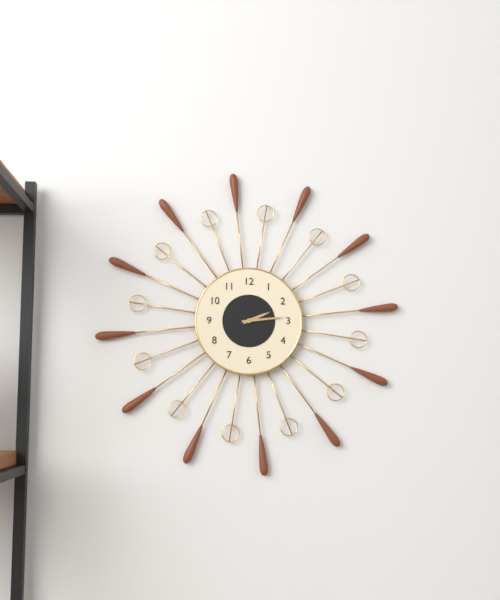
2h14
